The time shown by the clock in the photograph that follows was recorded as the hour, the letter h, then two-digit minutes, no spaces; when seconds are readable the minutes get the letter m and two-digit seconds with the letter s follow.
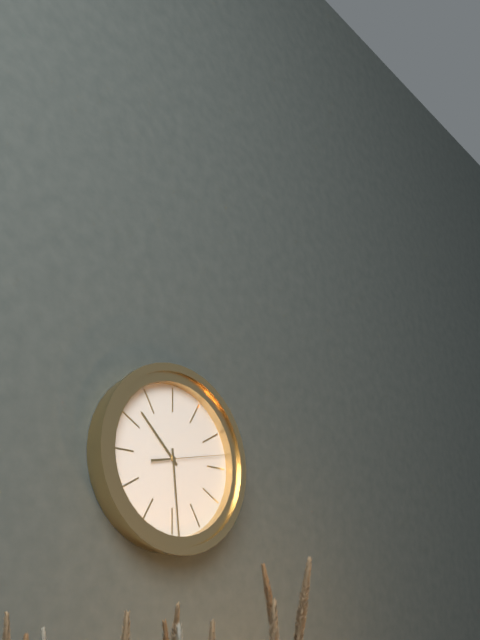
10h29m13s
